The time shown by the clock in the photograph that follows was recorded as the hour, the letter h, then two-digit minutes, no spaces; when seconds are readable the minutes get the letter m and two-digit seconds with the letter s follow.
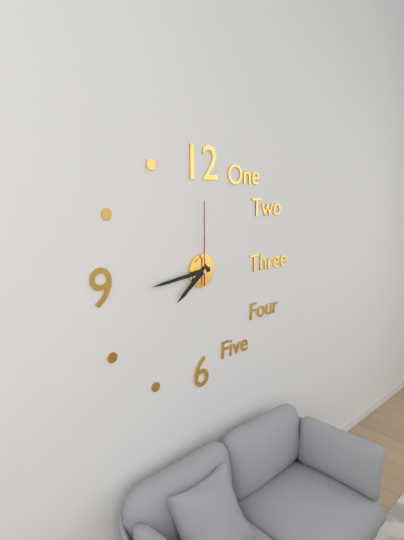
7h44m00s
